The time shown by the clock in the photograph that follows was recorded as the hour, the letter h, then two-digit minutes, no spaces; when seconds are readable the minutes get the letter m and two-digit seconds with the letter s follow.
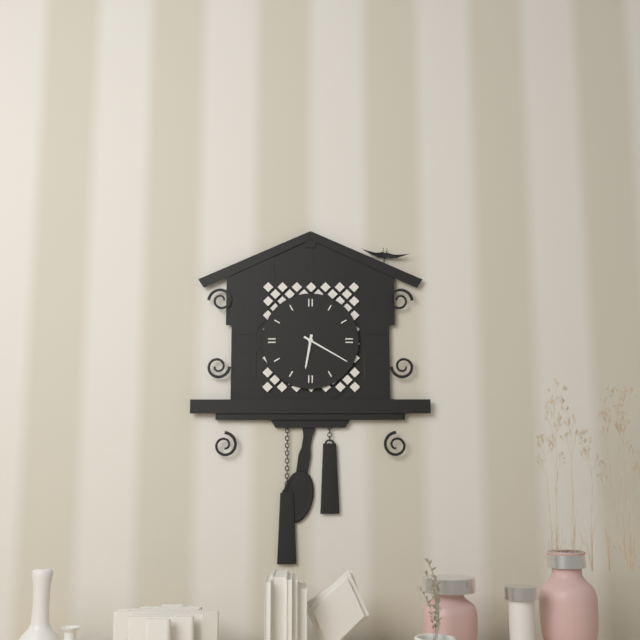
6h20
